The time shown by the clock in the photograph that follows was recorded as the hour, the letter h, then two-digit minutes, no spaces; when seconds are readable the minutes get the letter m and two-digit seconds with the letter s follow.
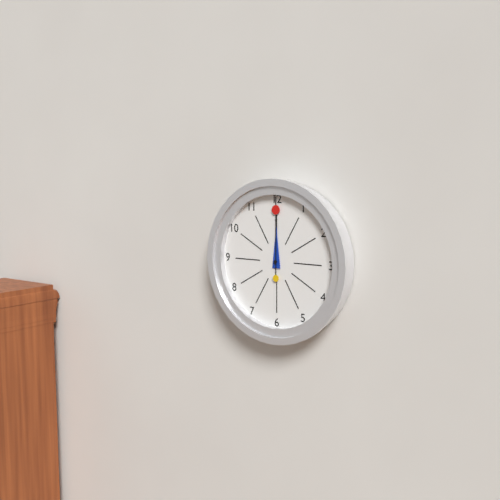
12h00
